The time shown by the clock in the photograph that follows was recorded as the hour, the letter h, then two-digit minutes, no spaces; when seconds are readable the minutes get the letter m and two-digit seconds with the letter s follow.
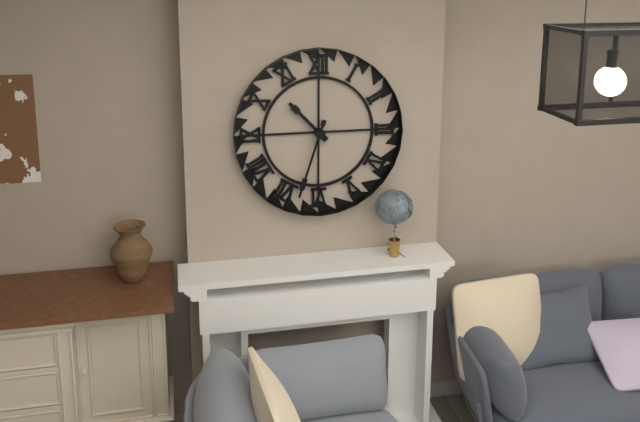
10h33
